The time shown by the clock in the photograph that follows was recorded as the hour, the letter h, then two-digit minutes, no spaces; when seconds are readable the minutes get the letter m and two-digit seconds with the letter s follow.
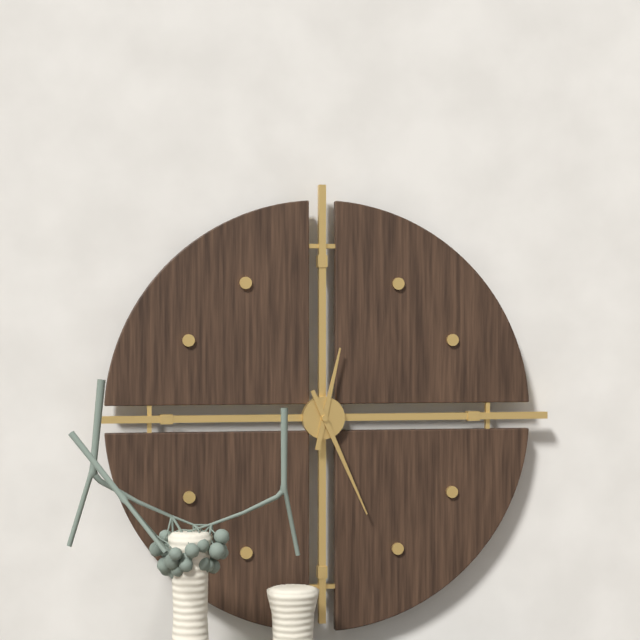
12h26
